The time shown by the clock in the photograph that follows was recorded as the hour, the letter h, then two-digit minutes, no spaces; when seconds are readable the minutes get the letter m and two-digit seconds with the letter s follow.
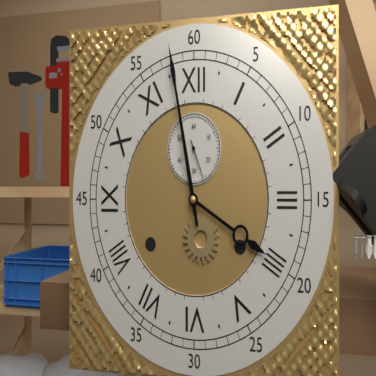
3h58
